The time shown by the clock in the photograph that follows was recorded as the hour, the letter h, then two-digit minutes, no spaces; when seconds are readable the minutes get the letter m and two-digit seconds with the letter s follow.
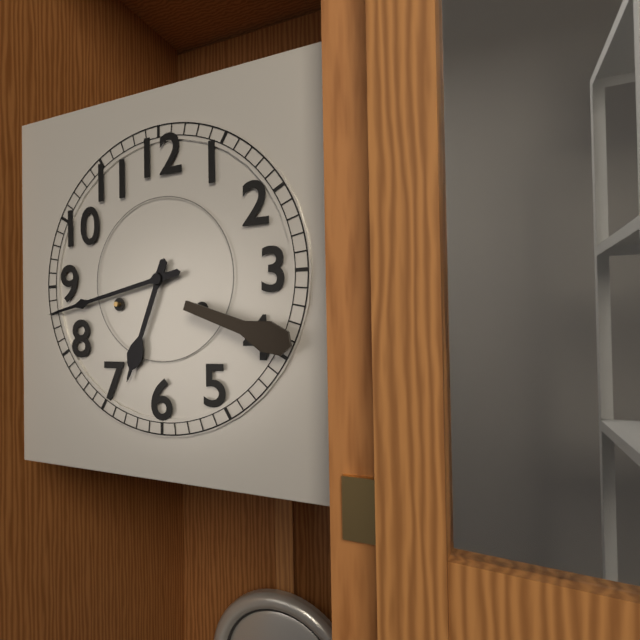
6h43
